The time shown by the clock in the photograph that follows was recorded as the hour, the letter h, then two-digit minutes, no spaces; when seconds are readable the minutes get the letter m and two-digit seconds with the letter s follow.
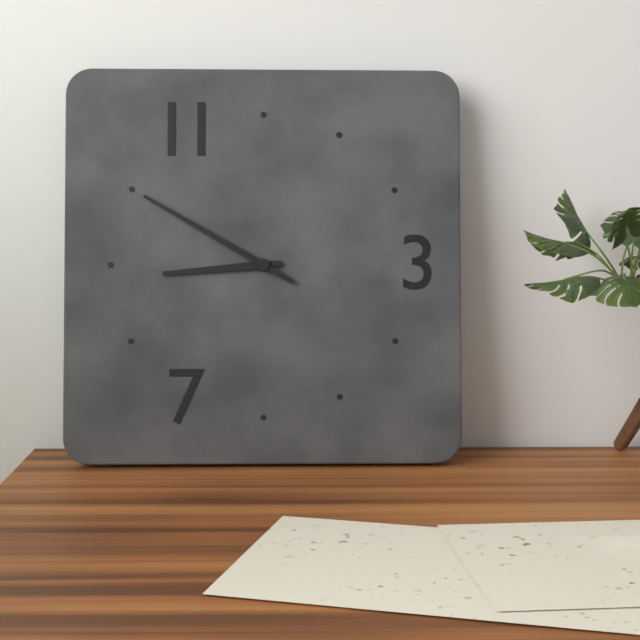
8h50
